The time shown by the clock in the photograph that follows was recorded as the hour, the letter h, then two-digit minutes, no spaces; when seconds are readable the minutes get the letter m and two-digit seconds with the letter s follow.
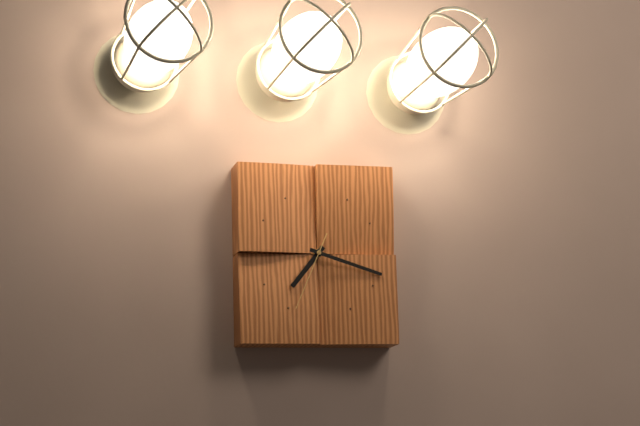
7h18m34s
